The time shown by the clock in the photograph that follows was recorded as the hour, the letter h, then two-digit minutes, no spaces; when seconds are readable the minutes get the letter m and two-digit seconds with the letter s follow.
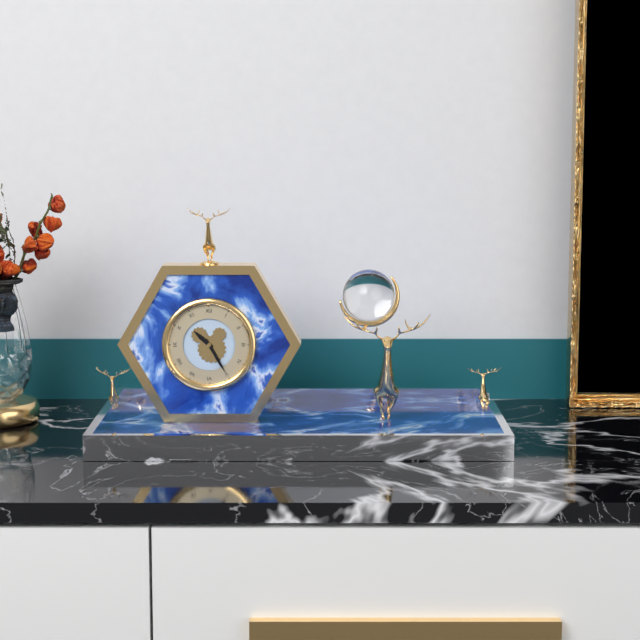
10h25
